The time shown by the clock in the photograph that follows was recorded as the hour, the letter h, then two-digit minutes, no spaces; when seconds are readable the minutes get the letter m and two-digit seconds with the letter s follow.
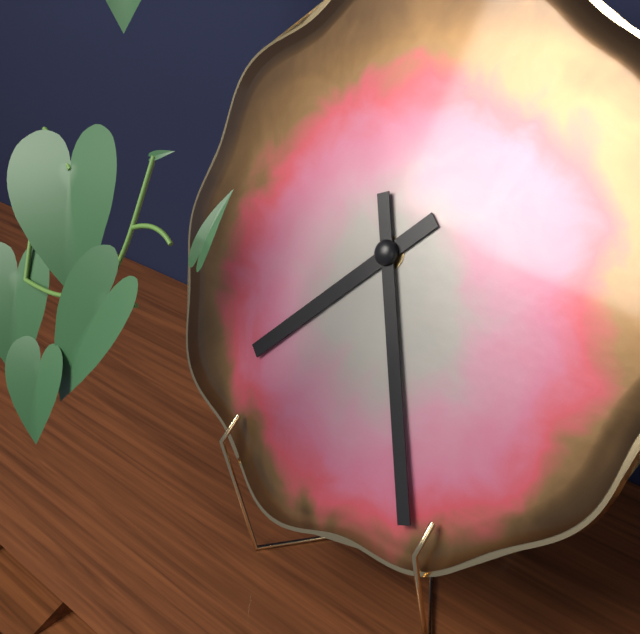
7h26
